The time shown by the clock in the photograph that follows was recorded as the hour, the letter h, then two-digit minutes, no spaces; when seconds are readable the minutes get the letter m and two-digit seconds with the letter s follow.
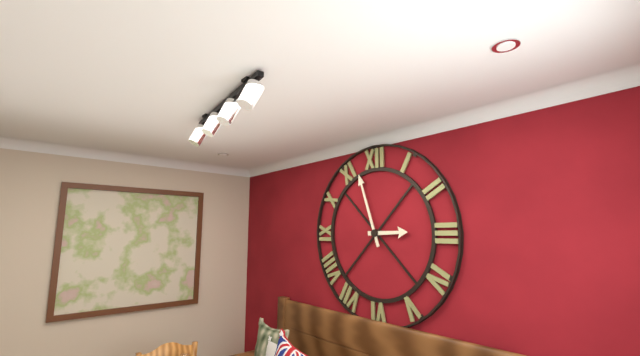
2h57
